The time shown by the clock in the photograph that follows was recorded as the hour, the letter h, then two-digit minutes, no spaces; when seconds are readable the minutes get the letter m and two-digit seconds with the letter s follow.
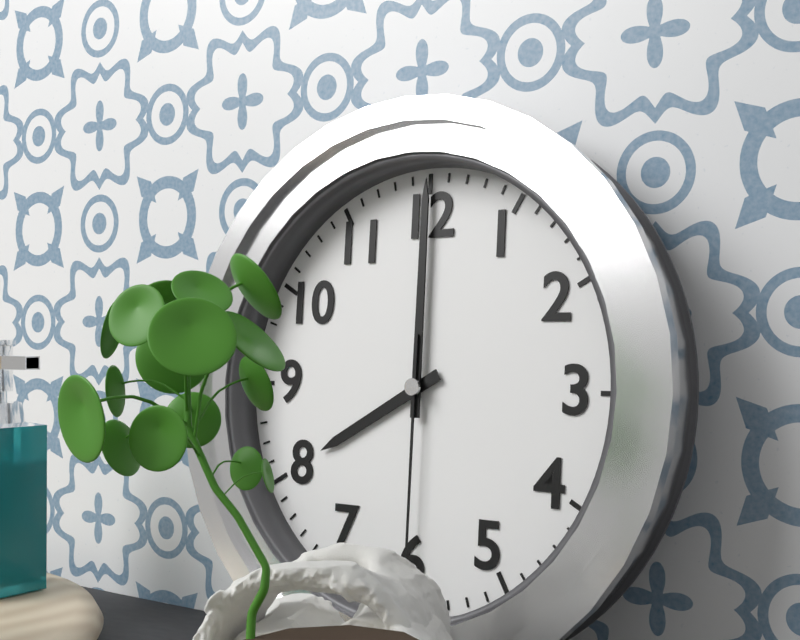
8h00m30s
